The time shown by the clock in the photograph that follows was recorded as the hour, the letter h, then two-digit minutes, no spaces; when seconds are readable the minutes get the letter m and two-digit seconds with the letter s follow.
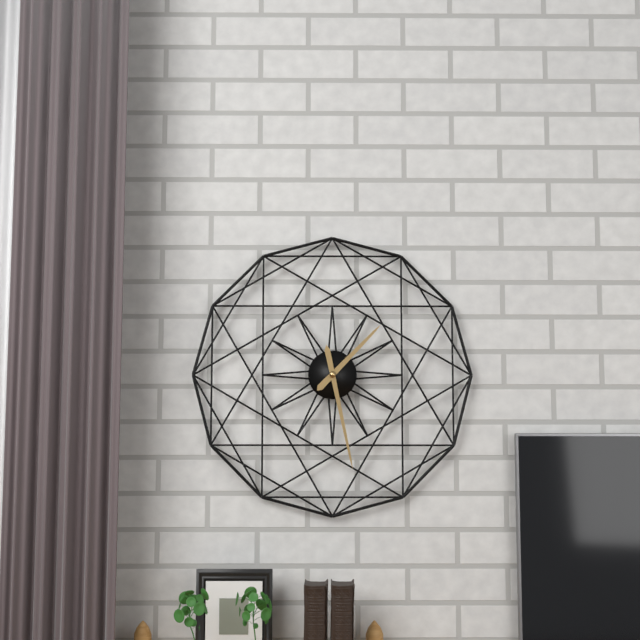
1h28
